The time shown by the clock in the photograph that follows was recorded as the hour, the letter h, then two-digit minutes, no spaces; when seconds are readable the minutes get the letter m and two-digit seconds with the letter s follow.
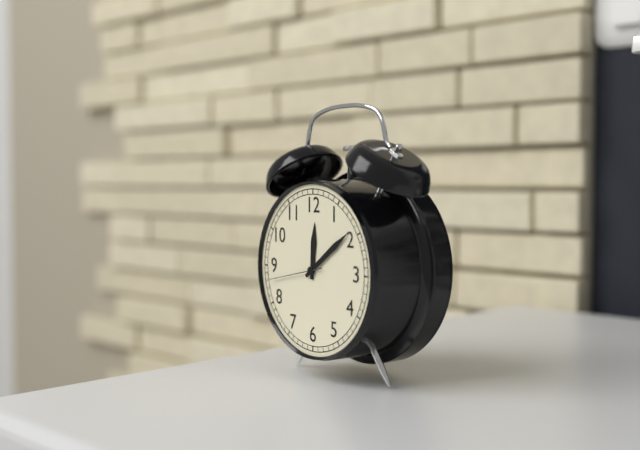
12h09m43s
